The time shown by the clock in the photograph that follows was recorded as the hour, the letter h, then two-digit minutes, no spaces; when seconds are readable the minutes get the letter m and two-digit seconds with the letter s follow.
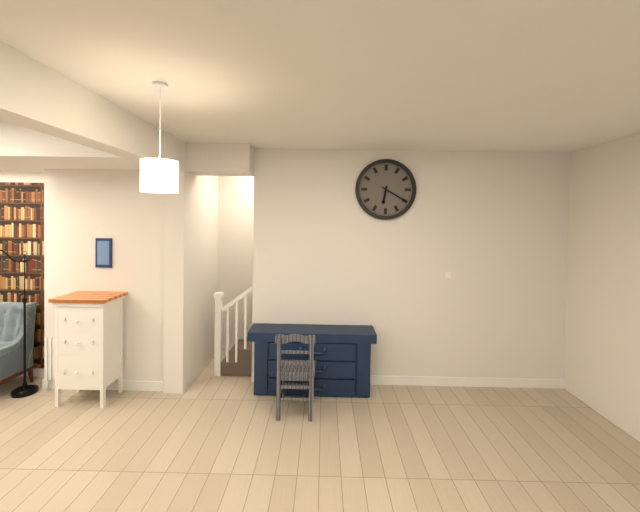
6h20
